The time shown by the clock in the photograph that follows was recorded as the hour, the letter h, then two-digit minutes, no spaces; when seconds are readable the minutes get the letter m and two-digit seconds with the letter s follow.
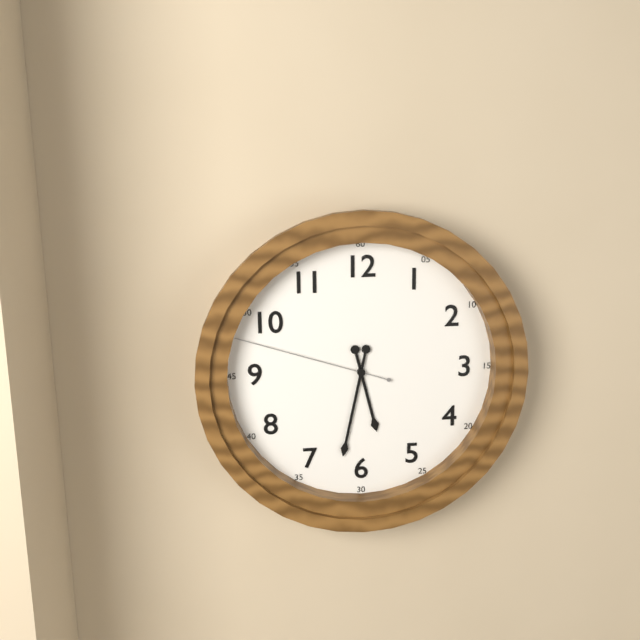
5h32m48s
